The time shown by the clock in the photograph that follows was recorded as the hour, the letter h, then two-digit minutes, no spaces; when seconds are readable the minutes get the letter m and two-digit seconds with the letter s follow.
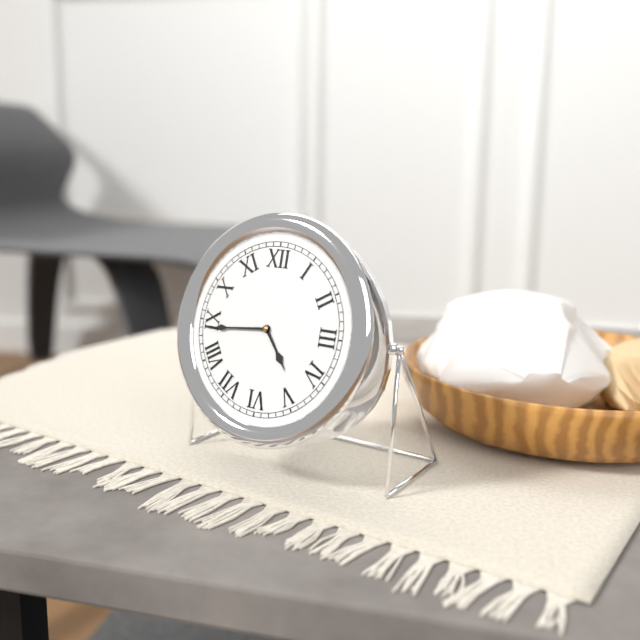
4h44
